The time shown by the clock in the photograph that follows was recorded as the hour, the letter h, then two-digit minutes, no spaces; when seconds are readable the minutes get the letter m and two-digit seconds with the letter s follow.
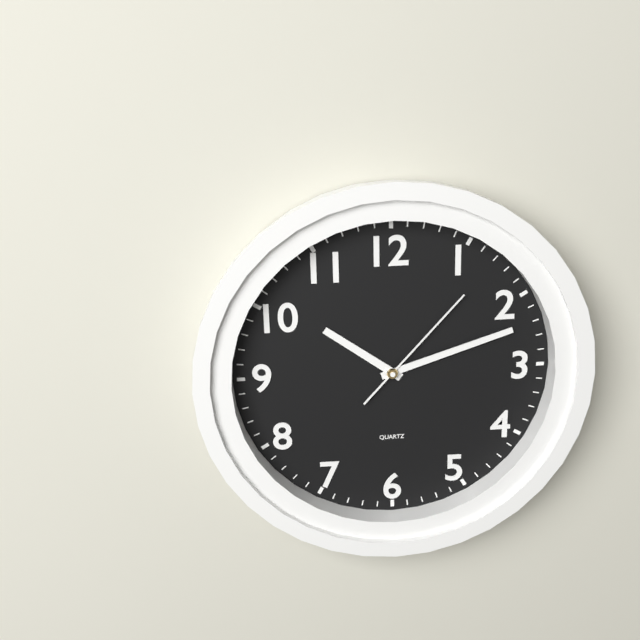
10h12m07s
